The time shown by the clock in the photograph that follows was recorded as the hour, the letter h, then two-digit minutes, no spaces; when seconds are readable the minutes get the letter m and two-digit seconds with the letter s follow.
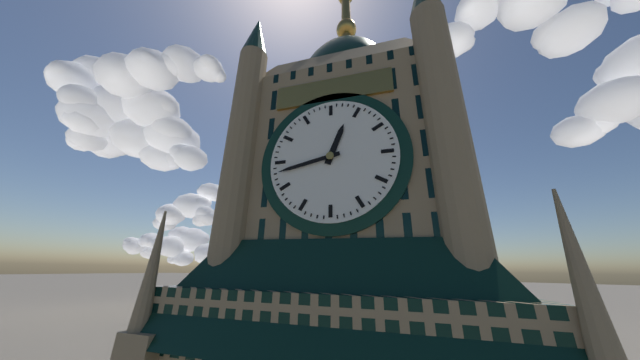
12h43
